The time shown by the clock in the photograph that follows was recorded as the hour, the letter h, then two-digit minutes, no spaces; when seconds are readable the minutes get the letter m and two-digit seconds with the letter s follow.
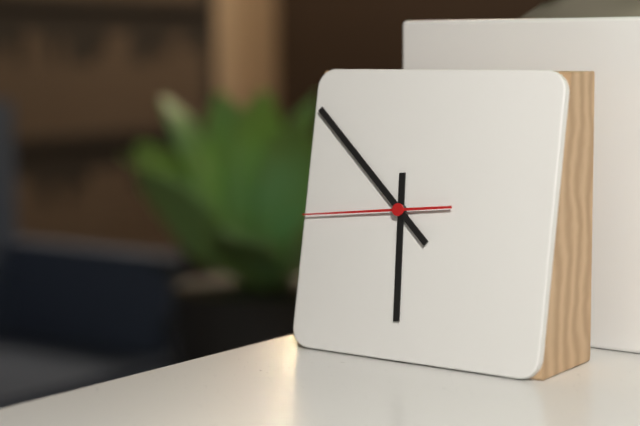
5h52m44s
